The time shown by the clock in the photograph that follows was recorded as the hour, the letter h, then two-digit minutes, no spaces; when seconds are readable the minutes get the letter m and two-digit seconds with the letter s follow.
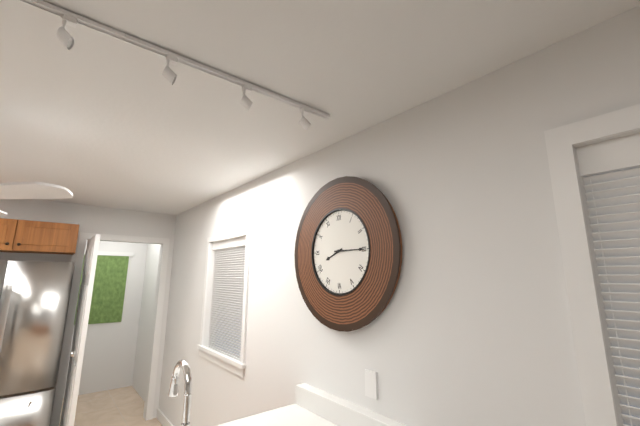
8h15
